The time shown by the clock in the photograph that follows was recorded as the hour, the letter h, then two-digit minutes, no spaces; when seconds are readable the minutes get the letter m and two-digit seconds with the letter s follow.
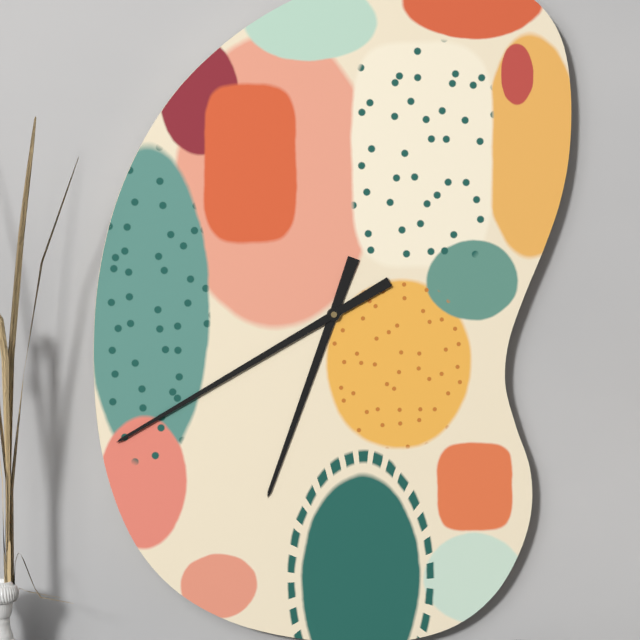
6h40
